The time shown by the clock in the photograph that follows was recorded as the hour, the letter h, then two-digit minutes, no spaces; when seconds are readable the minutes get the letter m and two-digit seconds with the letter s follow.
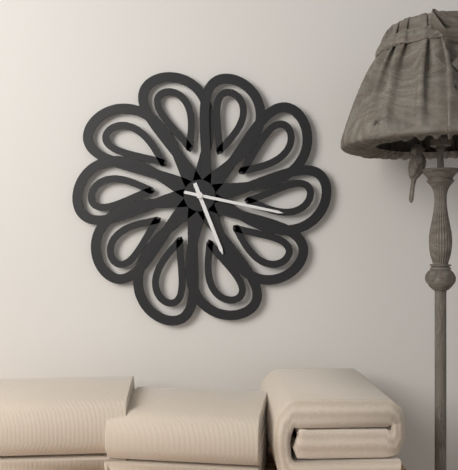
5h17
